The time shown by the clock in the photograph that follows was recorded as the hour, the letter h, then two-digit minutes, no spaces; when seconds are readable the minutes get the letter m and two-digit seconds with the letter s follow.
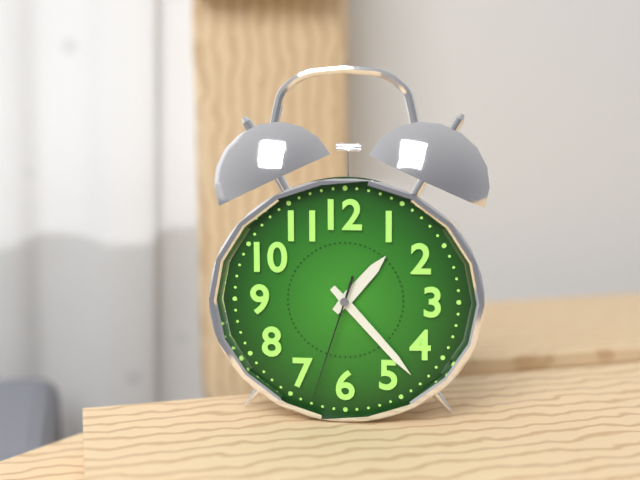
1h23m33s
